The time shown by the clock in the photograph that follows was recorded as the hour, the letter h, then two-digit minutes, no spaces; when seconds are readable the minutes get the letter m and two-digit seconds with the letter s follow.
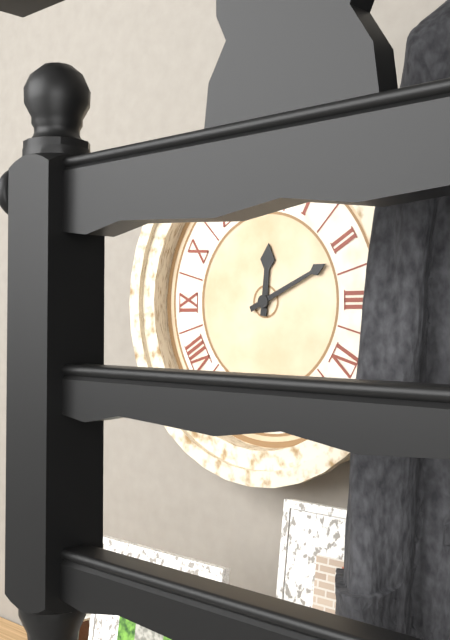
12h11
